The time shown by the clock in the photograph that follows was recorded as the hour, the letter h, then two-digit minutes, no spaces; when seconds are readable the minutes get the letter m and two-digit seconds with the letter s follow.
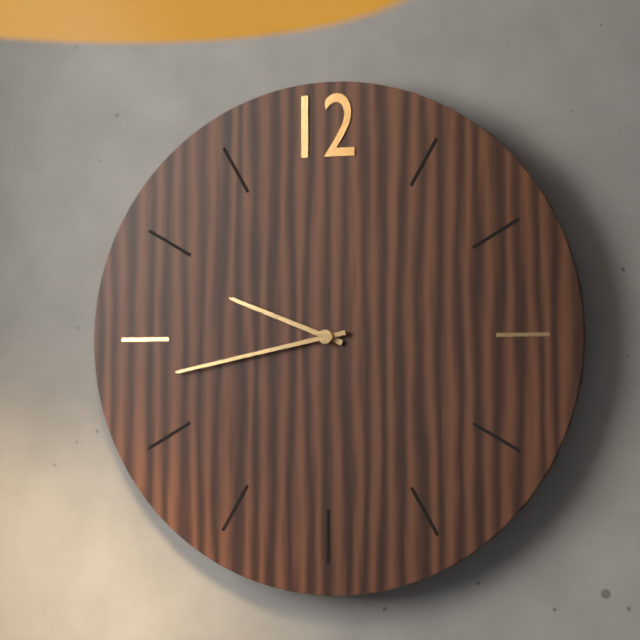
9h43
